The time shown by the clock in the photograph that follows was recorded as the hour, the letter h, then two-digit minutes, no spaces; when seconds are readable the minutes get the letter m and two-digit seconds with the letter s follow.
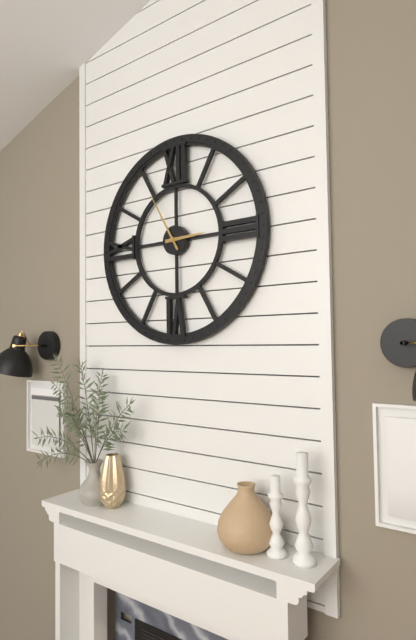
2h55
